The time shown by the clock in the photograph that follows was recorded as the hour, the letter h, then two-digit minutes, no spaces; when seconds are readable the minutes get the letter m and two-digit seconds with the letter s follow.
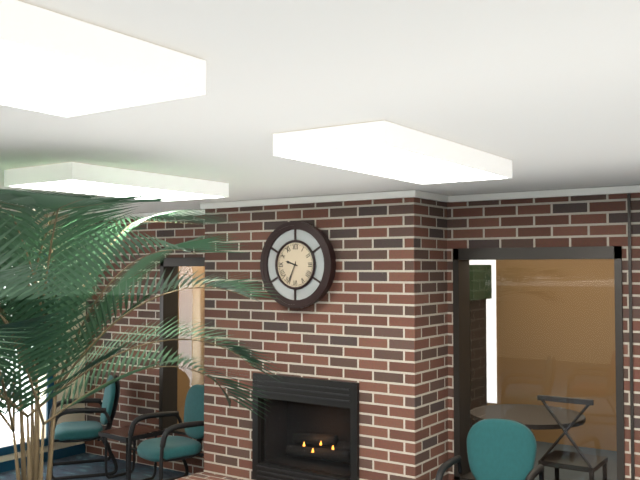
9h34
